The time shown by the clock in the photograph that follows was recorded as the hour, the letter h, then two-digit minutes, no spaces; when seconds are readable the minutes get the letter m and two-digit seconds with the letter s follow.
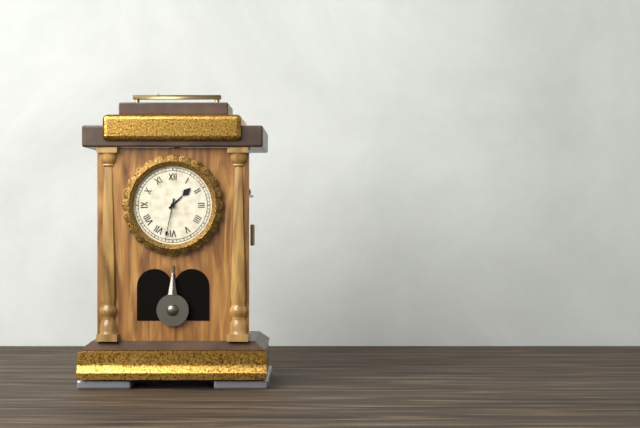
1h32
